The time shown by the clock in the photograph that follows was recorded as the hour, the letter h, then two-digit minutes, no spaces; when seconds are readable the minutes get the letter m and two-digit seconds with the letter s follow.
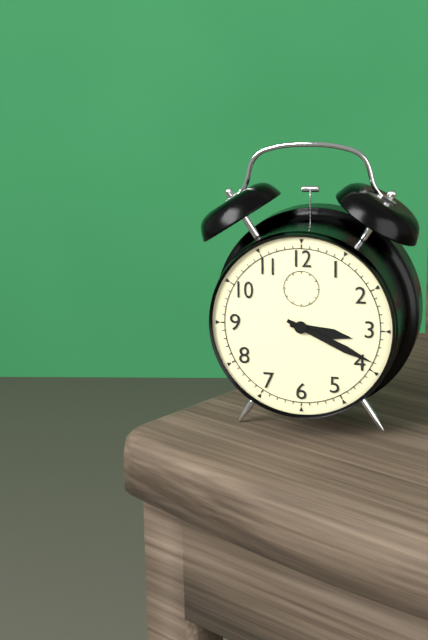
3h19
